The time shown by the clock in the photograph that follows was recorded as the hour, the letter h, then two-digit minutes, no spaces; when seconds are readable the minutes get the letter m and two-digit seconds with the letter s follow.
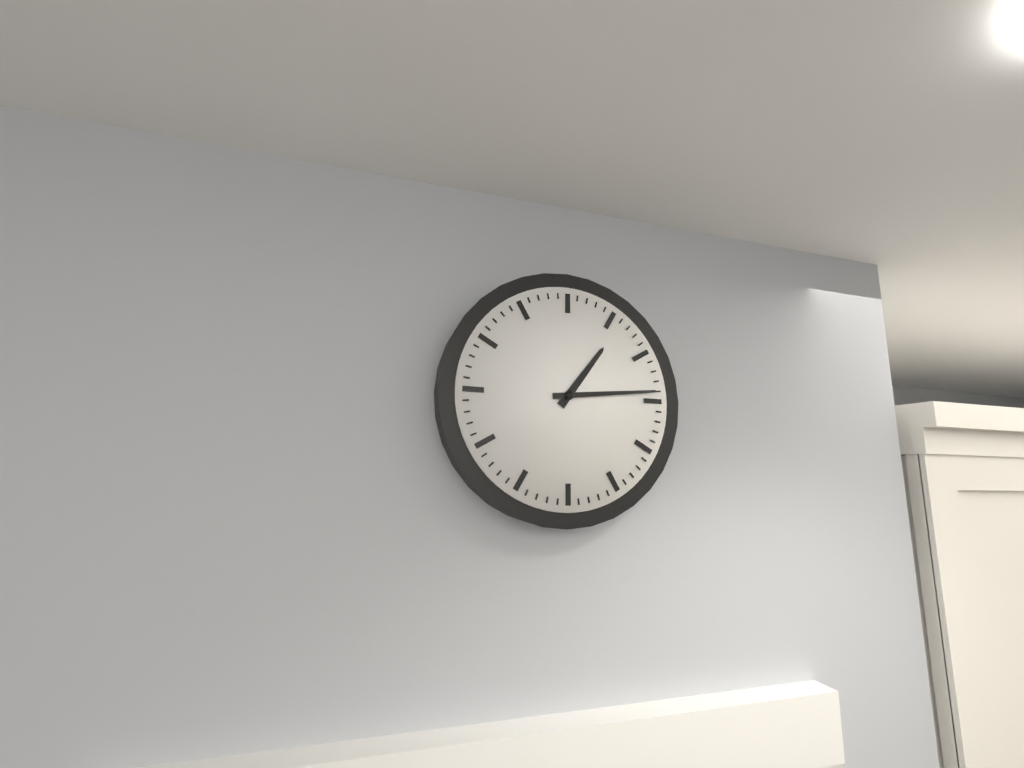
1h14
